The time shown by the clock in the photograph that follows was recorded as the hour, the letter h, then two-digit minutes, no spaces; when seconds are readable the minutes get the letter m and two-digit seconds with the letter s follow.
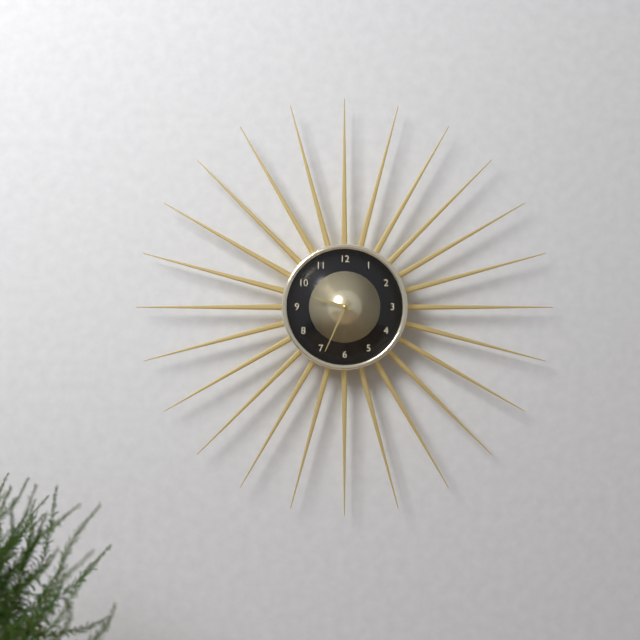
9h34
